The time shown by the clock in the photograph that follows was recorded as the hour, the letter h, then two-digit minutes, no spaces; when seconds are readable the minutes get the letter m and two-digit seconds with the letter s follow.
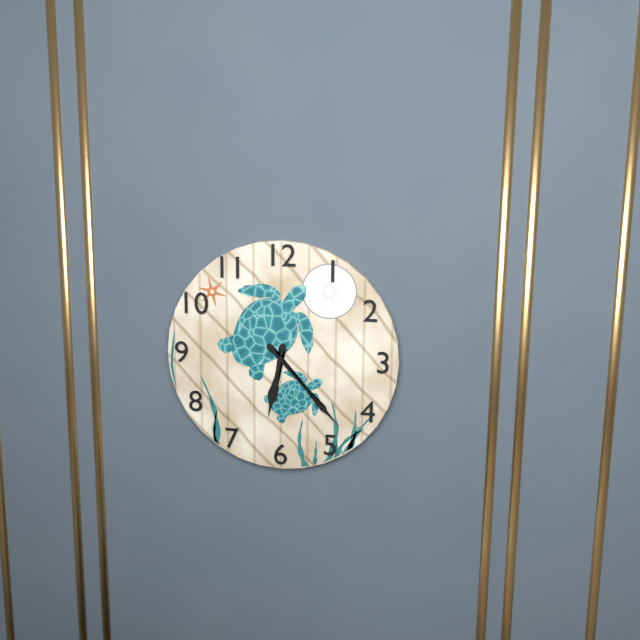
6h23
